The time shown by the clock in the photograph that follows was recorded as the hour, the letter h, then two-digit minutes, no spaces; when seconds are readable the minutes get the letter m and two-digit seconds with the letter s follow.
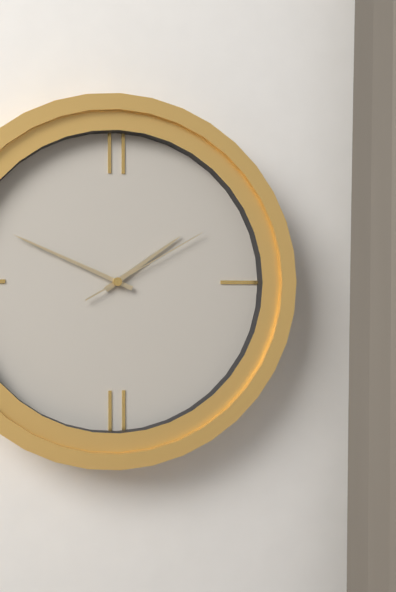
1h49m10s
